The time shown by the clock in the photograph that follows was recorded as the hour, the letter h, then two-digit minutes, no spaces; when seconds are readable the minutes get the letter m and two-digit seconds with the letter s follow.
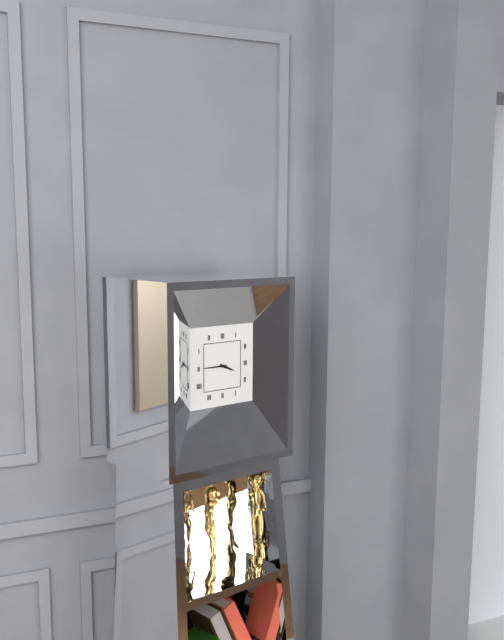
3h45
